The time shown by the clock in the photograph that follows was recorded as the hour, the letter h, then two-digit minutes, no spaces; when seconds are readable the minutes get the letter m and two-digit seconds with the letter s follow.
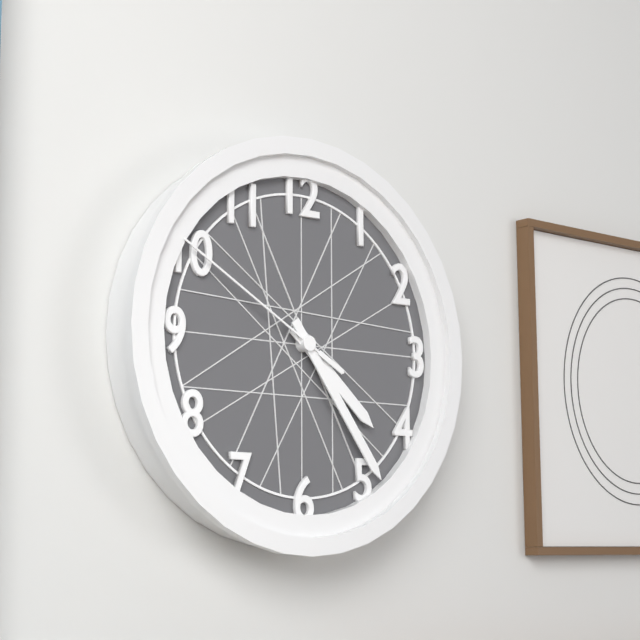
4h24m50s
